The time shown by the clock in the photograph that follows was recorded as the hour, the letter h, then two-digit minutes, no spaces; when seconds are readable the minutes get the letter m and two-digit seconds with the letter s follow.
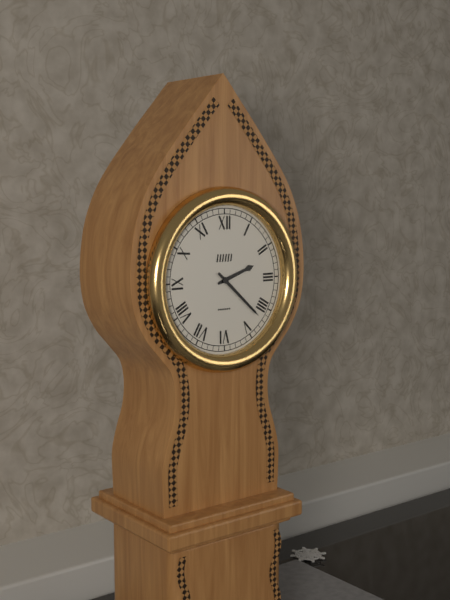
2h22
